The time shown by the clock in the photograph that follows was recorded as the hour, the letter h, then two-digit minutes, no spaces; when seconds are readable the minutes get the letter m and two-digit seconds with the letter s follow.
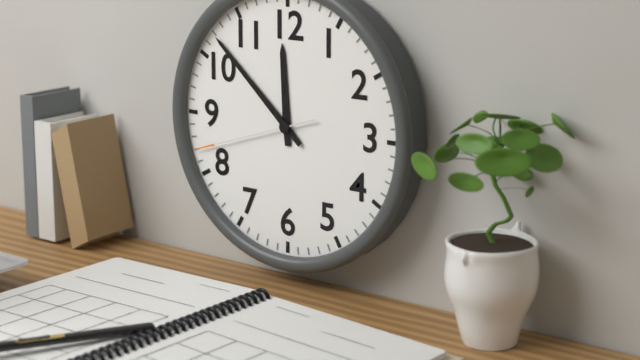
11h52m42s
